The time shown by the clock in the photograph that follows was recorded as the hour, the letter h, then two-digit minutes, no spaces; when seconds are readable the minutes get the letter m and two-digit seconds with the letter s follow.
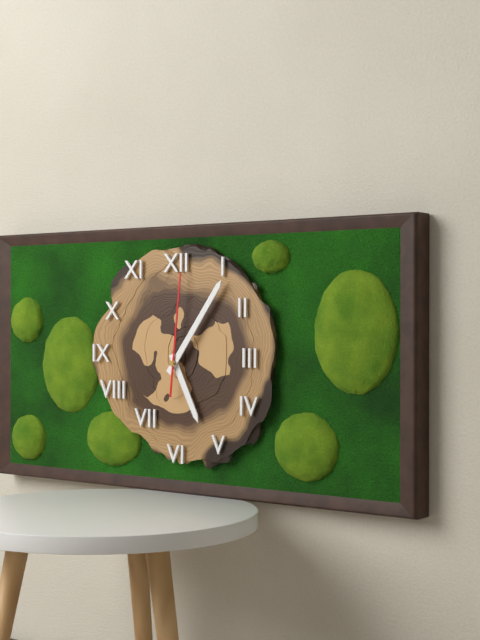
5h06m01s
